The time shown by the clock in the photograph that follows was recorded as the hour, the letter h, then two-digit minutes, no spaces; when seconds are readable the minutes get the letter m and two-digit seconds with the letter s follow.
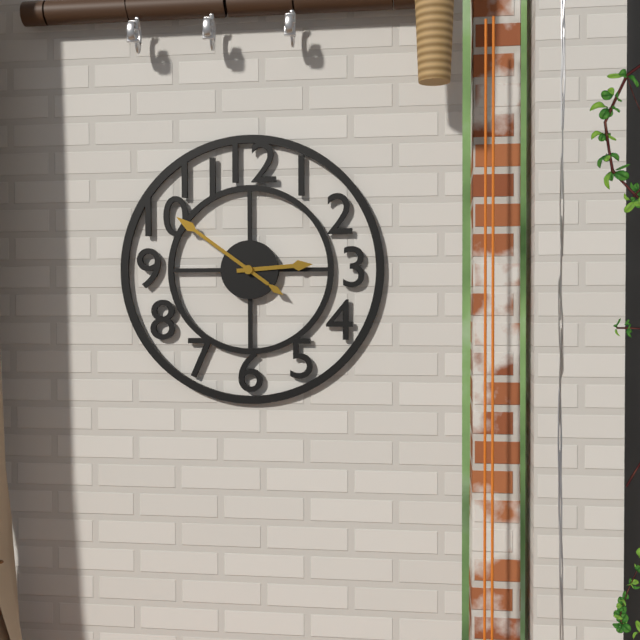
2h51
